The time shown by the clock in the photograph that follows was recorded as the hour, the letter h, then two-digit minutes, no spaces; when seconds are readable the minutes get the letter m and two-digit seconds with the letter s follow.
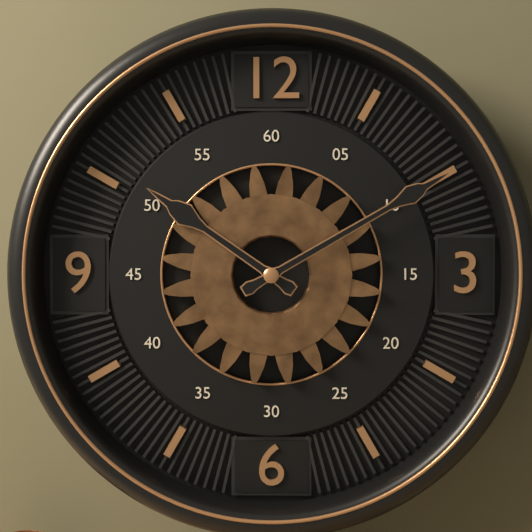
10h10
